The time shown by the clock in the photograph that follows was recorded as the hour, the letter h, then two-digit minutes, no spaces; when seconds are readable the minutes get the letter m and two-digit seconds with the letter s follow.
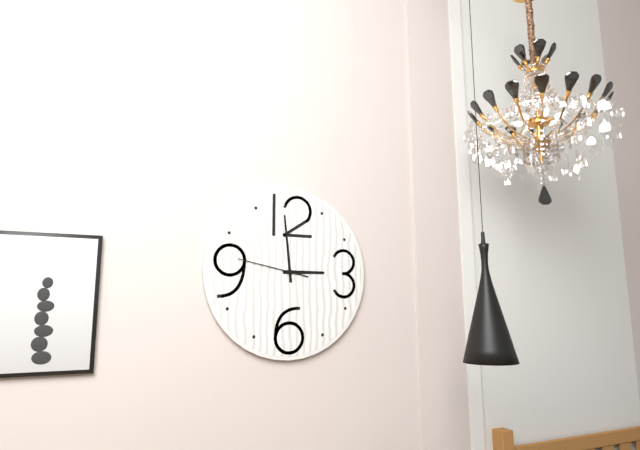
2h59m47s
